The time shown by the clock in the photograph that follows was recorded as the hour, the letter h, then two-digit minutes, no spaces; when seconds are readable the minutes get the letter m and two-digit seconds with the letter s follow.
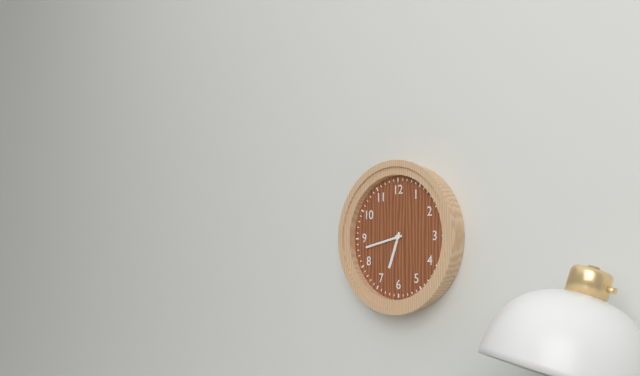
6h43
